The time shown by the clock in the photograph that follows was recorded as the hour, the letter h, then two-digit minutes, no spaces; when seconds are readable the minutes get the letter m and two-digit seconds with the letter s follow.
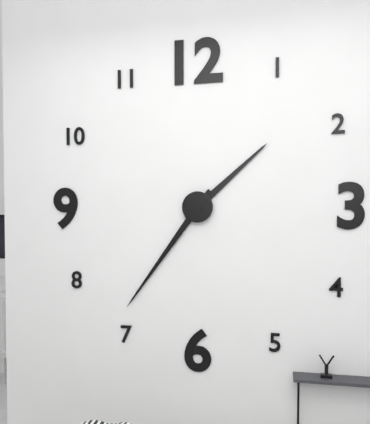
1h36
